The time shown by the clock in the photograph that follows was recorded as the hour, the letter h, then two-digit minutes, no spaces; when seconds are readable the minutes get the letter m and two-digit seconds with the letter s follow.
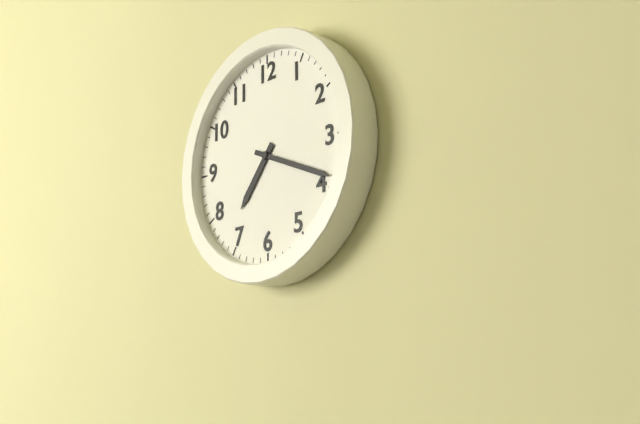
7h19
